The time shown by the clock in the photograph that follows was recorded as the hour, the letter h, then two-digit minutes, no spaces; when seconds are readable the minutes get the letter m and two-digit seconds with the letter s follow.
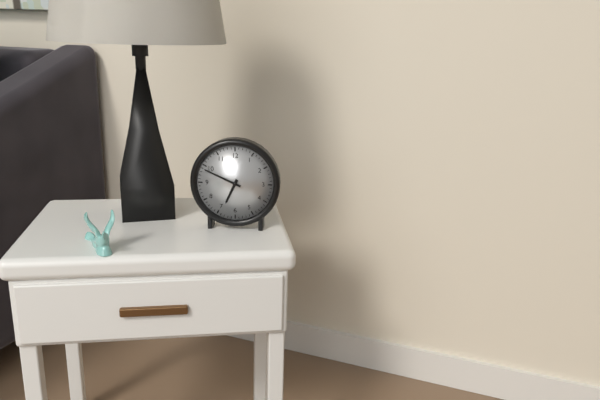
6h49
